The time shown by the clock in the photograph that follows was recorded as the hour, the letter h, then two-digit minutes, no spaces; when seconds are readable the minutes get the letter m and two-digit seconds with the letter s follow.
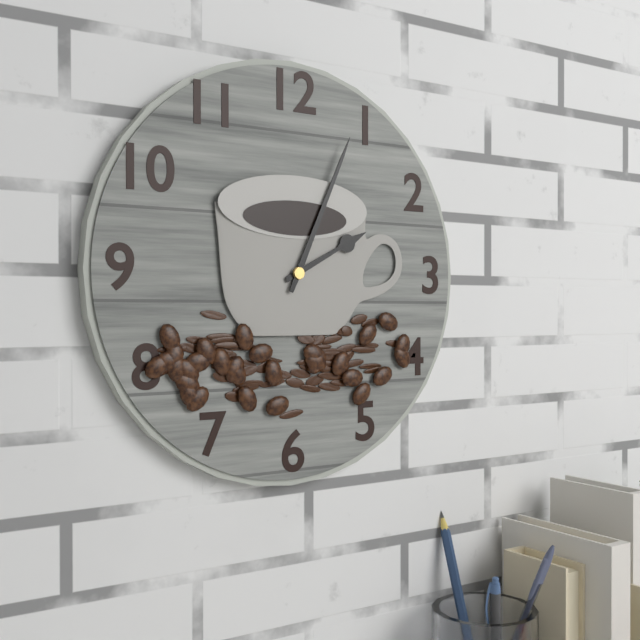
2h04
